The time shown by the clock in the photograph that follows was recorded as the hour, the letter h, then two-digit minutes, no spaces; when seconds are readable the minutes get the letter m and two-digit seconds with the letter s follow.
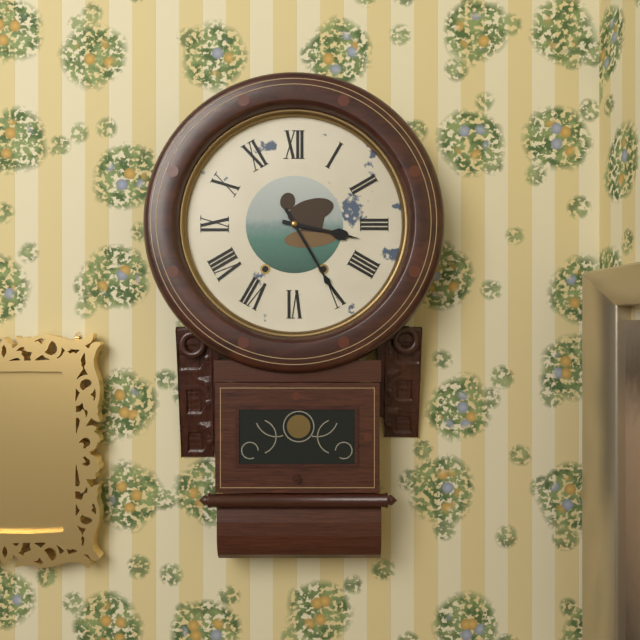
3h25
